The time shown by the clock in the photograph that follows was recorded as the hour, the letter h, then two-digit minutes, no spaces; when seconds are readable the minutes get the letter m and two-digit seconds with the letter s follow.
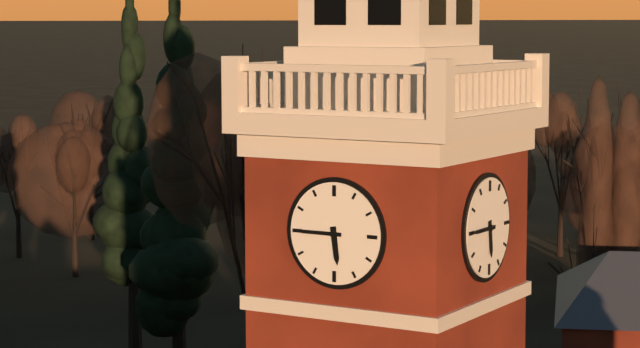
5h45
